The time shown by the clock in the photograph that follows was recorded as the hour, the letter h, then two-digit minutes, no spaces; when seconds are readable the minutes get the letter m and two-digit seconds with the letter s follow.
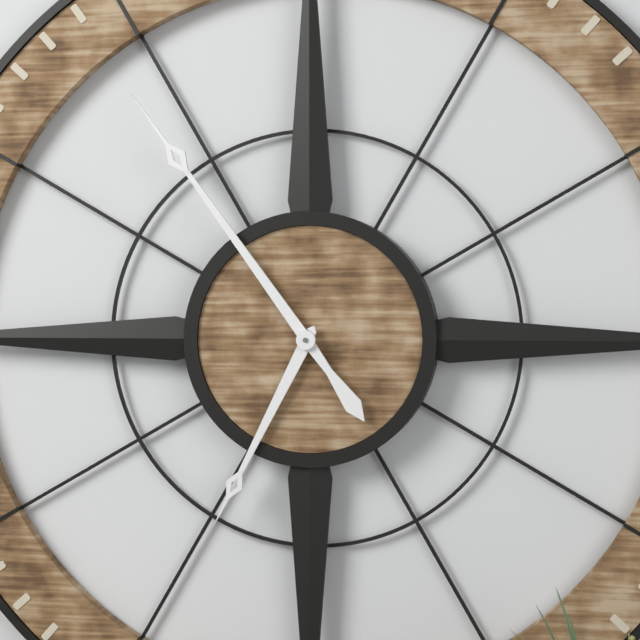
6h54
